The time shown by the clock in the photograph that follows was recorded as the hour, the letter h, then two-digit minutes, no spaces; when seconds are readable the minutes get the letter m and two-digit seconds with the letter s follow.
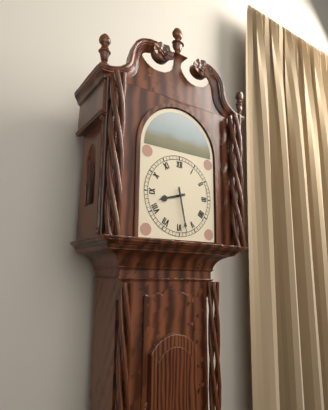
8h28
